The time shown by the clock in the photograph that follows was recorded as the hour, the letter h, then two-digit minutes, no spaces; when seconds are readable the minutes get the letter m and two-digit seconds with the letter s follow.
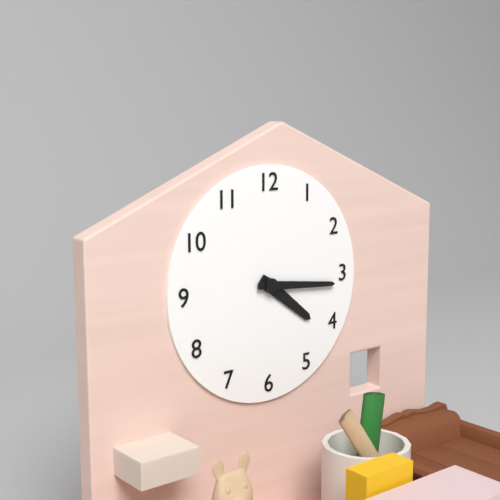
4h16
